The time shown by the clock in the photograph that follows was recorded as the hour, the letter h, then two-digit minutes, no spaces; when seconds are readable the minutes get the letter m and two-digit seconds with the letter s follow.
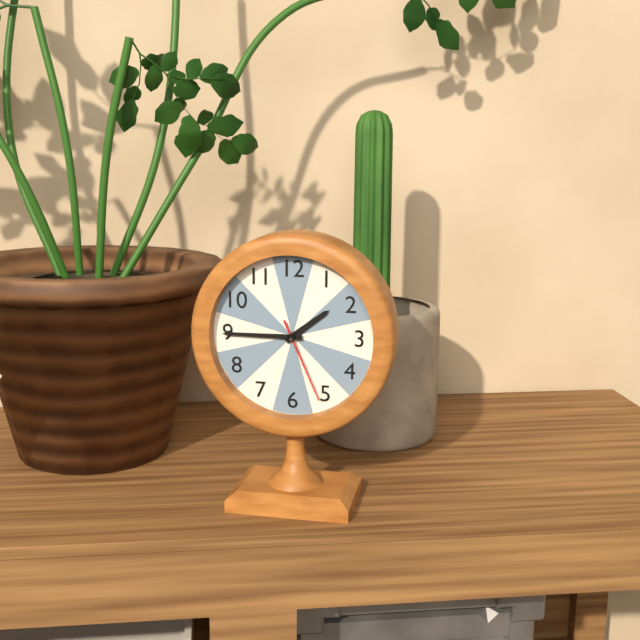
1h45m26s
